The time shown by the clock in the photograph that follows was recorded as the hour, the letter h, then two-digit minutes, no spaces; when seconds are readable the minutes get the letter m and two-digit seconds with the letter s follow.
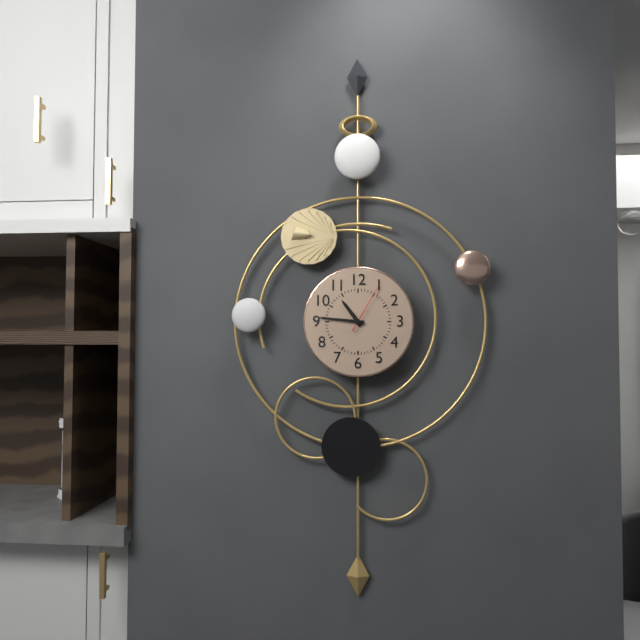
10h46m05s
